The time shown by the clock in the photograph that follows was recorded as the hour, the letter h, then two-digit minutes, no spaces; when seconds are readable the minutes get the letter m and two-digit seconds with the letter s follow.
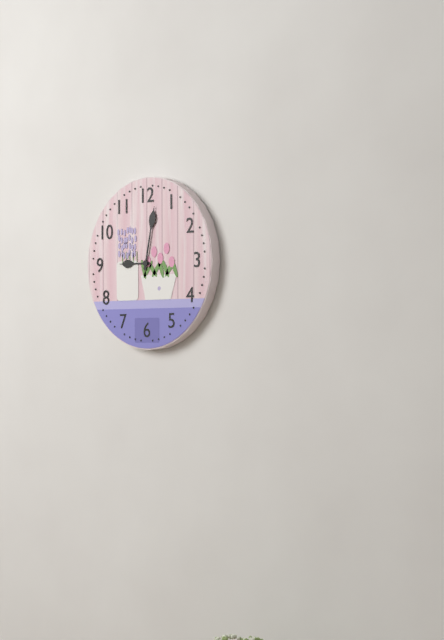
9h02
